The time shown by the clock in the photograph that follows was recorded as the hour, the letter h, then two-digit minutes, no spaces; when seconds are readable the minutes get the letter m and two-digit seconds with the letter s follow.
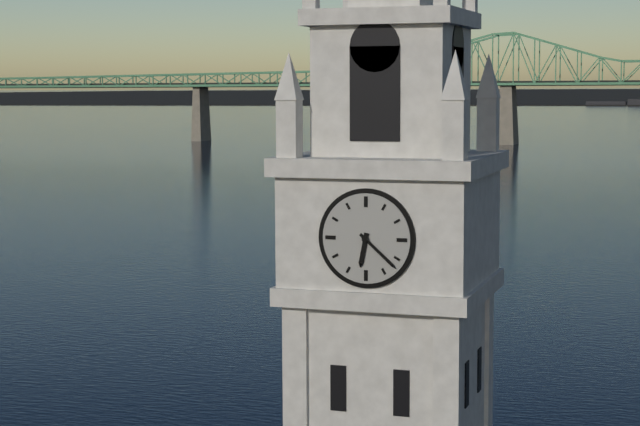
6h22
